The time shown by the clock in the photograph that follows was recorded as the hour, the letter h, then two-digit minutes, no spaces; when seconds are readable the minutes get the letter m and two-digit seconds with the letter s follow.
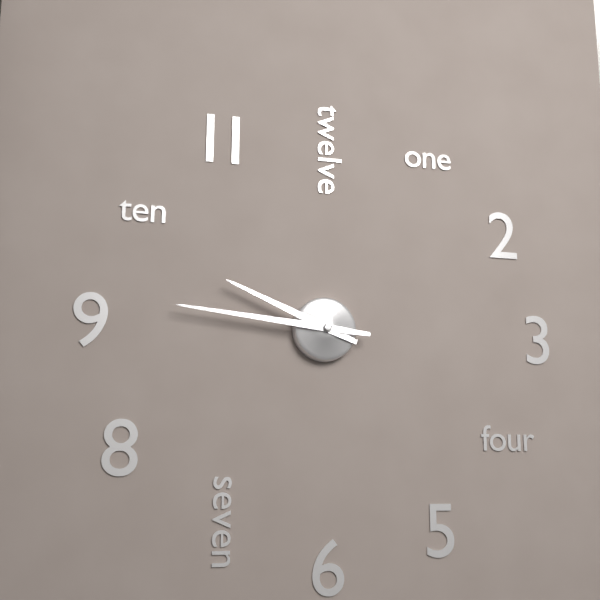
9h46
